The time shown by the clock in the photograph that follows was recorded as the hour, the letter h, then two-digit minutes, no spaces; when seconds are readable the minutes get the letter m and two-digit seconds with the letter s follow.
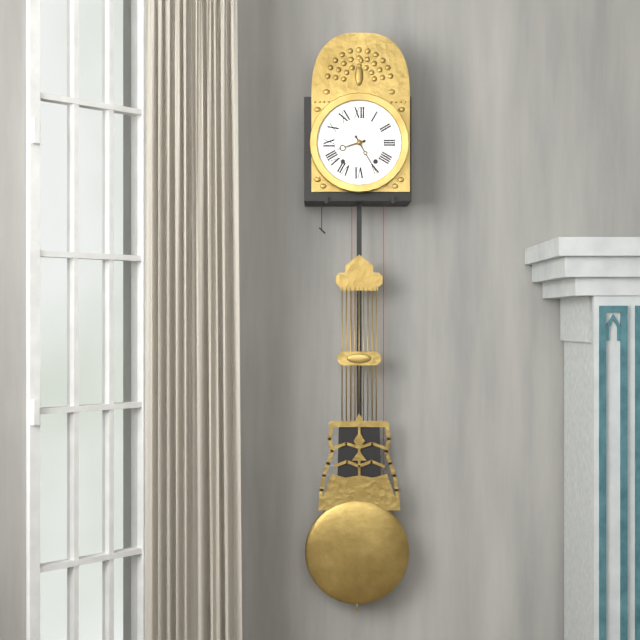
8h25
